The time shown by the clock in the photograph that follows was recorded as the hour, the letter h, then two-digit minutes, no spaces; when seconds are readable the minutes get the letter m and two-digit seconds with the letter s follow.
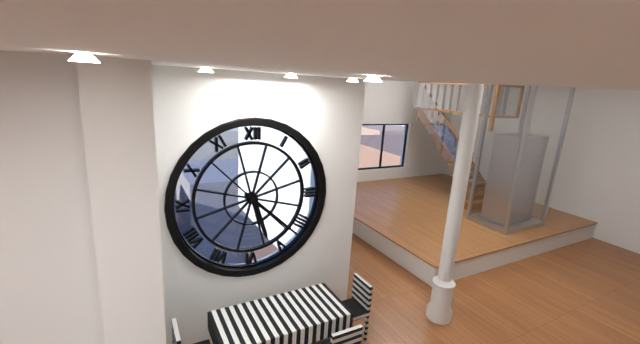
5h22
